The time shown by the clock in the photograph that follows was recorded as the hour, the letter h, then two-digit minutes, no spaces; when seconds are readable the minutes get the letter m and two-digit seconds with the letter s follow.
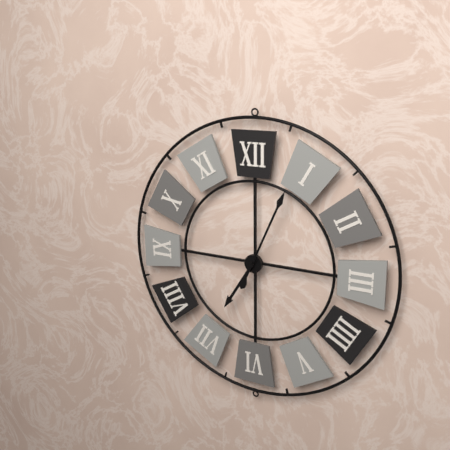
7h04
